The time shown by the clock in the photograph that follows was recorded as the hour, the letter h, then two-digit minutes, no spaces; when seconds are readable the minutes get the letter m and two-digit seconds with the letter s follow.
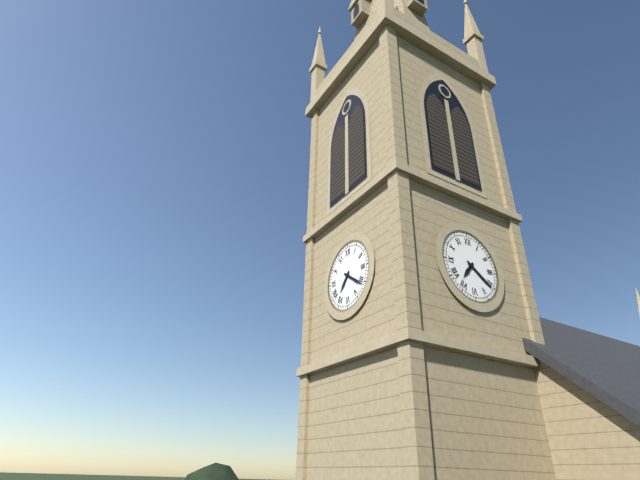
7h21
